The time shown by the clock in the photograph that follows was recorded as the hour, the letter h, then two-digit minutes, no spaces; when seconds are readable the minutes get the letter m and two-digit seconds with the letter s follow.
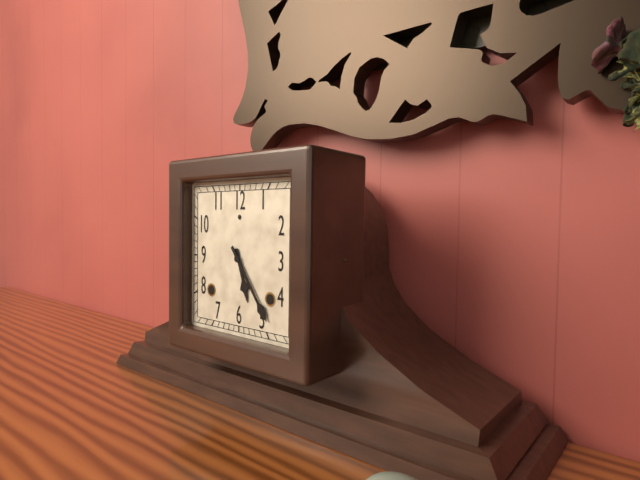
5h24
